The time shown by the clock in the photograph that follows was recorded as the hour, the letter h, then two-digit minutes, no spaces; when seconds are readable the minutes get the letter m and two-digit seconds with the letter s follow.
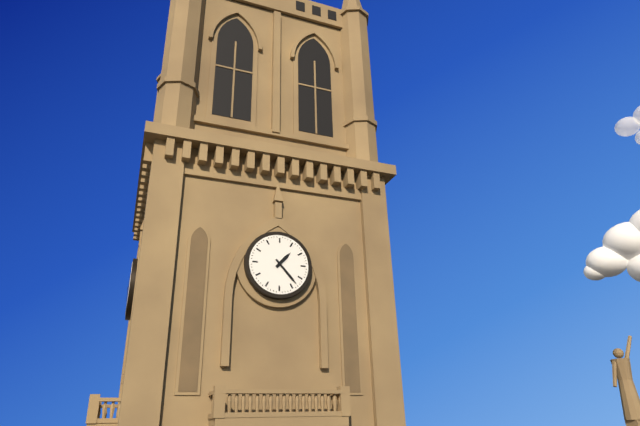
1h23
